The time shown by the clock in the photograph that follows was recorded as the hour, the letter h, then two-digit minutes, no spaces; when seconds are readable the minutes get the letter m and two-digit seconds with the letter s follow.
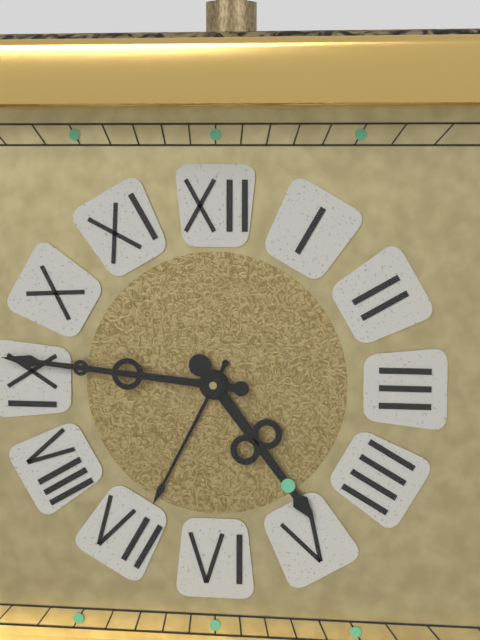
4h46
